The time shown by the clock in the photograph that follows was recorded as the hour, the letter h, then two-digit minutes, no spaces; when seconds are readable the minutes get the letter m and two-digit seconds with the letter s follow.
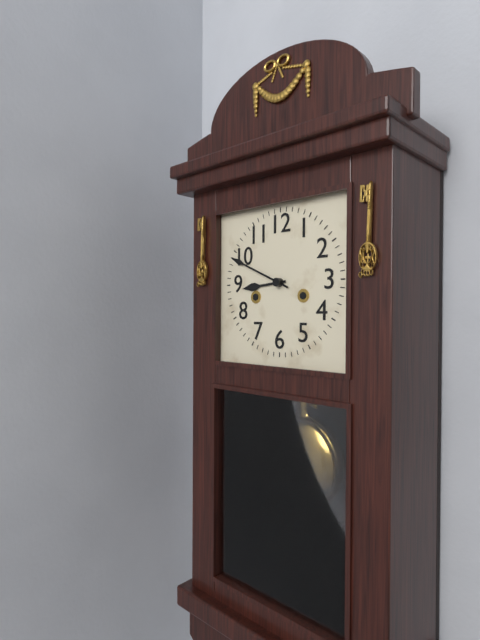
8h49
